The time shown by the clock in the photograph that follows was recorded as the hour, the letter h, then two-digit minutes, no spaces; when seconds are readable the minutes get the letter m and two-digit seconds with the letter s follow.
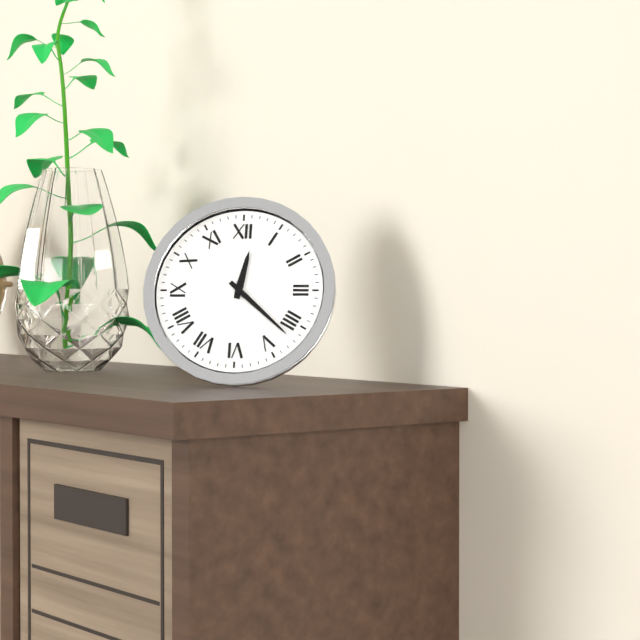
12h22
